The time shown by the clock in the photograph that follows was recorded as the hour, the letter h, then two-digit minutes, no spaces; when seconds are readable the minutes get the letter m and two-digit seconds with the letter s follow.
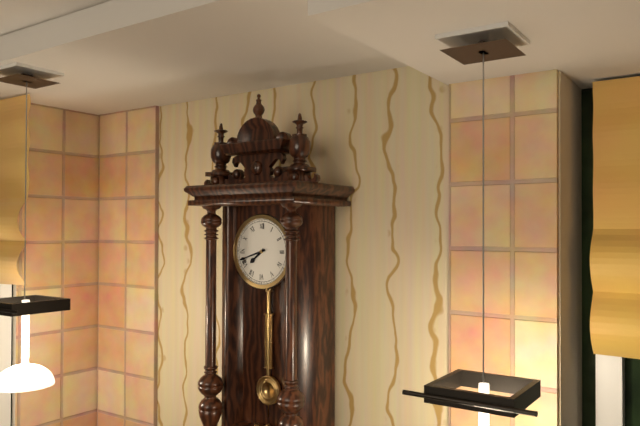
7h42
